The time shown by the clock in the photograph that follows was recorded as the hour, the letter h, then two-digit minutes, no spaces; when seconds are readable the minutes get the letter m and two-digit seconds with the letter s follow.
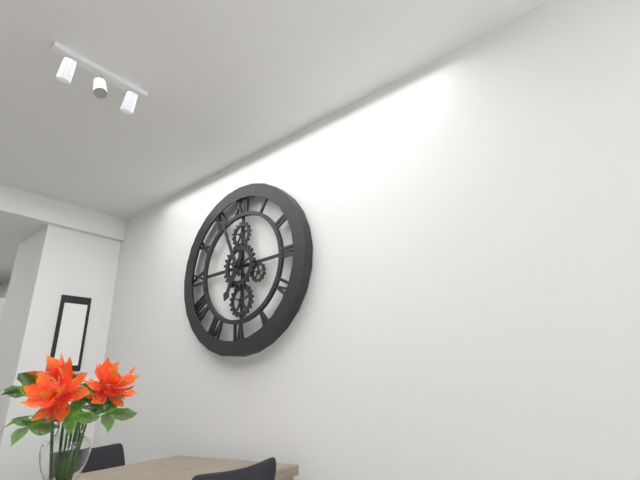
6h56
